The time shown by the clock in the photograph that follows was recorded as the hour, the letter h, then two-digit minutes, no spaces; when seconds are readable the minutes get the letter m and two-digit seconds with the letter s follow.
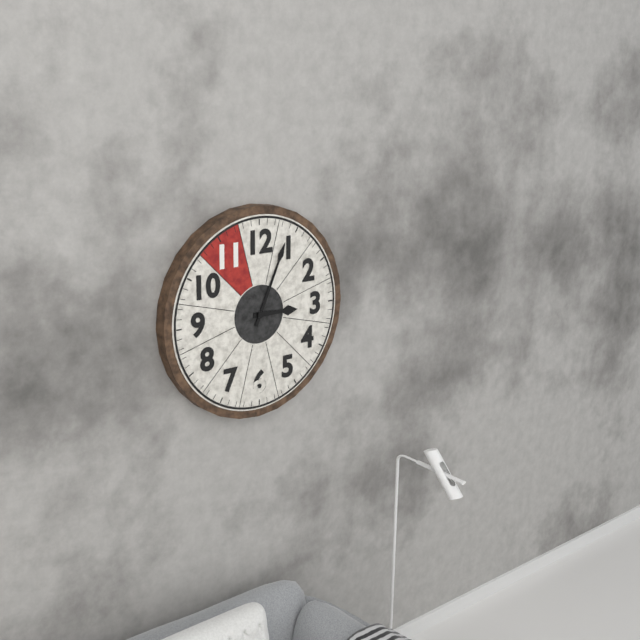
3h04
